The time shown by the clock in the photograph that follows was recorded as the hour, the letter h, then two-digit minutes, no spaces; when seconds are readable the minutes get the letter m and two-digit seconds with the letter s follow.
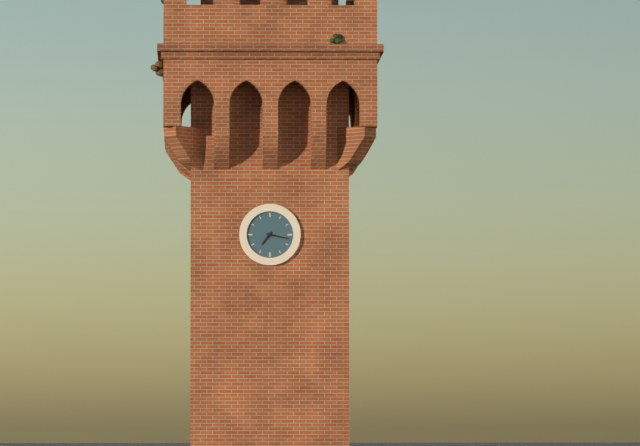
7h17
